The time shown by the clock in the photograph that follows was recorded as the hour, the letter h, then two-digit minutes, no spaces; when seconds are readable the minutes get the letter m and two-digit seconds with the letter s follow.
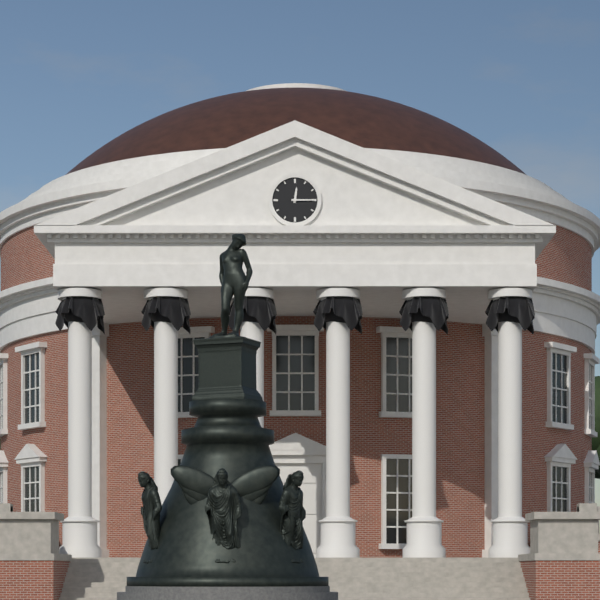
12h15
